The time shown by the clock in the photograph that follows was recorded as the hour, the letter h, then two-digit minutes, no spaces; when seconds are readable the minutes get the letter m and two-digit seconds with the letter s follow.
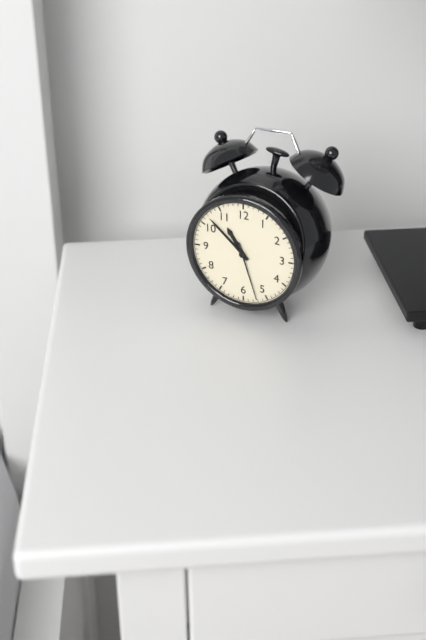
10h52m27s
